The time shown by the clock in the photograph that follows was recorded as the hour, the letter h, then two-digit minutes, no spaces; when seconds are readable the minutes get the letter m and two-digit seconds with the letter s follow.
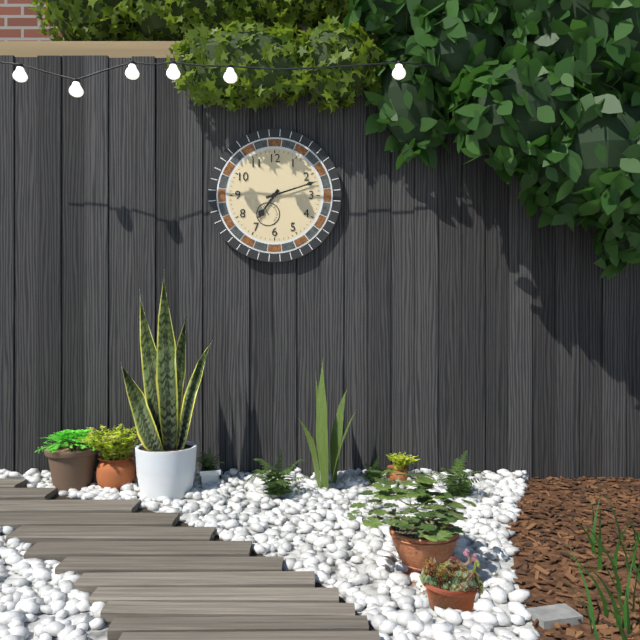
7h12
